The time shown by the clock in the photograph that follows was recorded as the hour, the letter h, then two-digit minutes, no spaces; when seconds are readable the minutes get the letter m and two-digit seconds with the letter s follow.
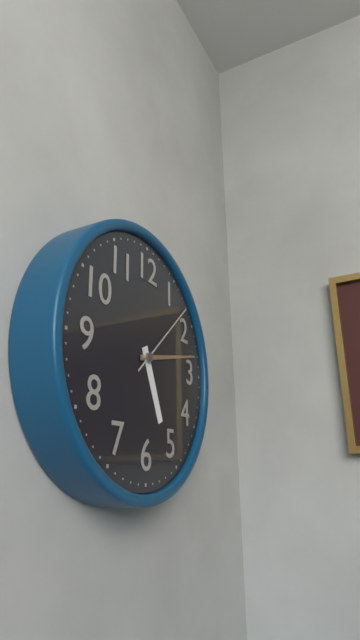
5h13m08s
